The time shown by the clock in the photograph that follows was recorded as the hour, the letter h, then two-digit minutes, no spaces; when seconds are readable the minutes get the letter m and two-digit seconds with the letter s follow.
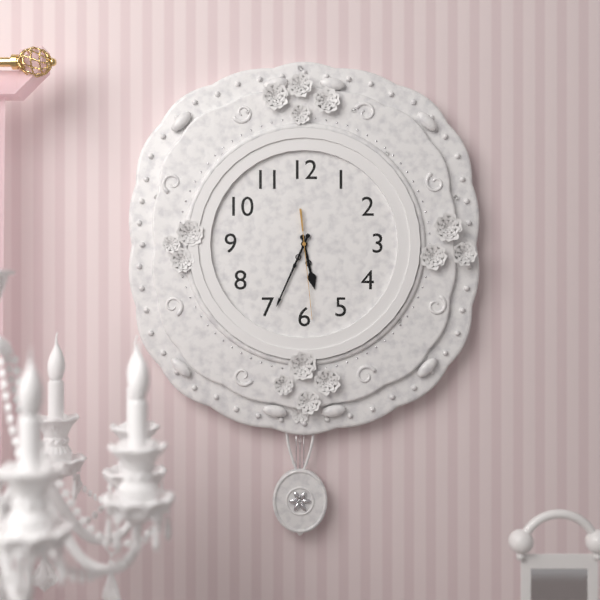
5h34m29s
